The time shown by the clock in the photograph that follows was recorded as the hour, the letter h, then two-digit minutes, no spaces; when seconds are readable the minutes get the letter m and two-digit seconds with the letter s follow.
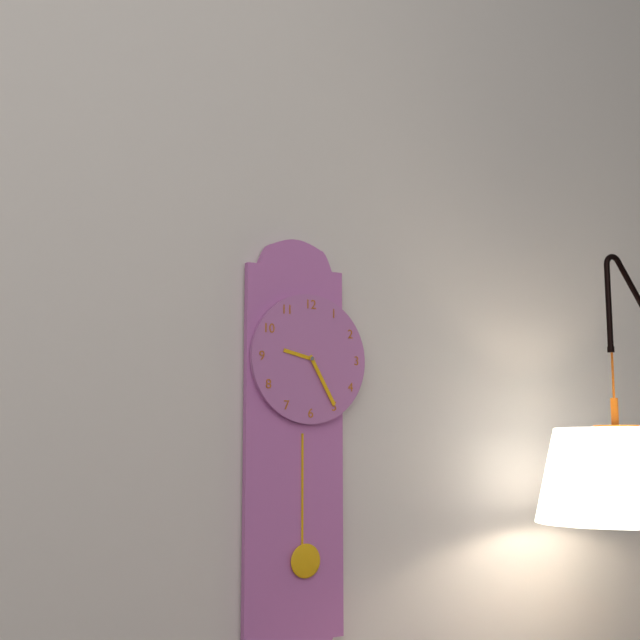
9h25
